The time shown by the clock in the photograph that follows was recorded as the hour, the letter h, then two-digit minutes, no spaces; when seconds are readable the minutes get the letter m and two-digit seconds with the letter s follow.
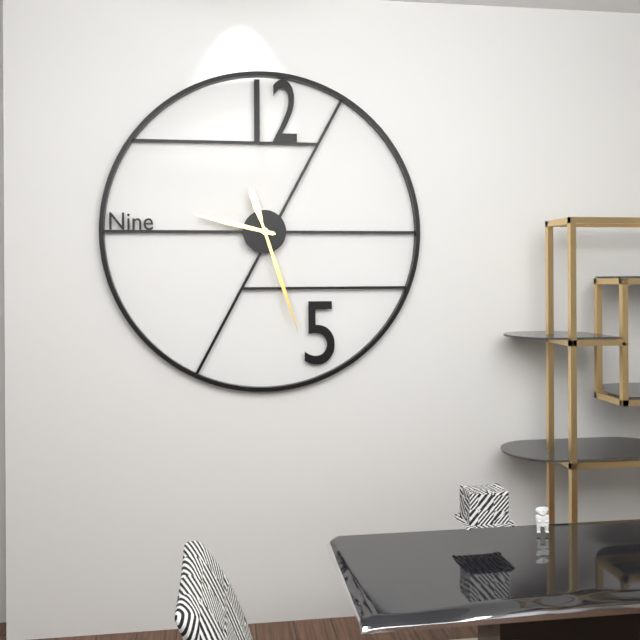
9h27
